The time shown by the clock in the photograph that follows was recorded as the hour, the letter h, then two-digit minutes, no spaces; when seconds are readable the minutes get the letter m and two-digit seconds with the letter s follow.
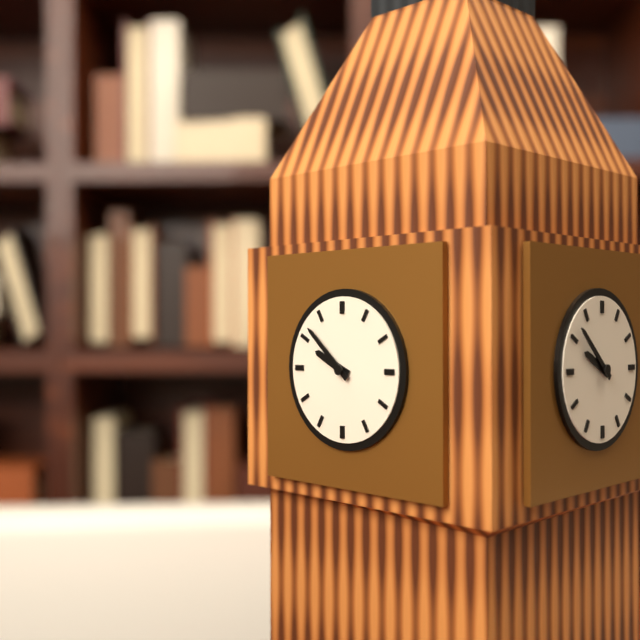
9h52
